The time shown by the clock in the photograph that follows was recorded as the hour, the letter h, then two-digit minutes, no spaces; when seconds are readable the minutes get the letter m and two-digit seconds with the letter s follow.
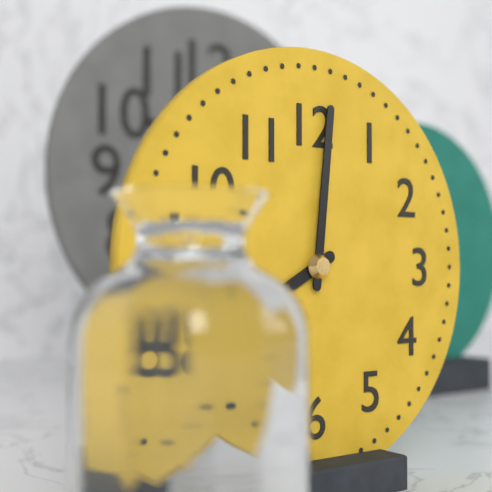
8h01
